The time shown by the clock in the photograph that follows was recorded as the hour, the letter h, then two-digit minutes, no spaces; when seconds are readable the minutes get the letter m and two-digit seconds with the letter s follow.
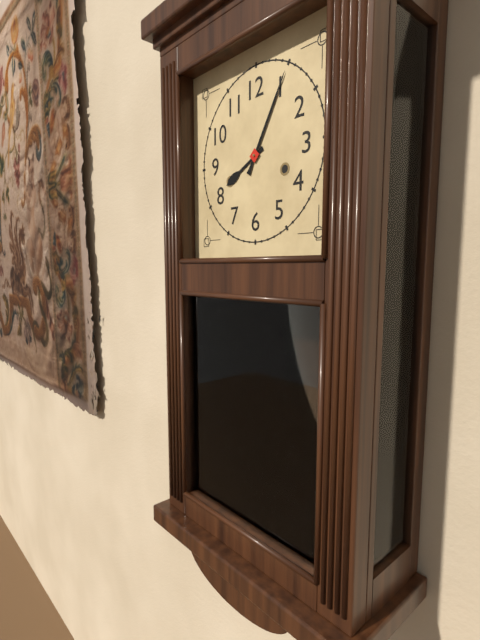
8h05
